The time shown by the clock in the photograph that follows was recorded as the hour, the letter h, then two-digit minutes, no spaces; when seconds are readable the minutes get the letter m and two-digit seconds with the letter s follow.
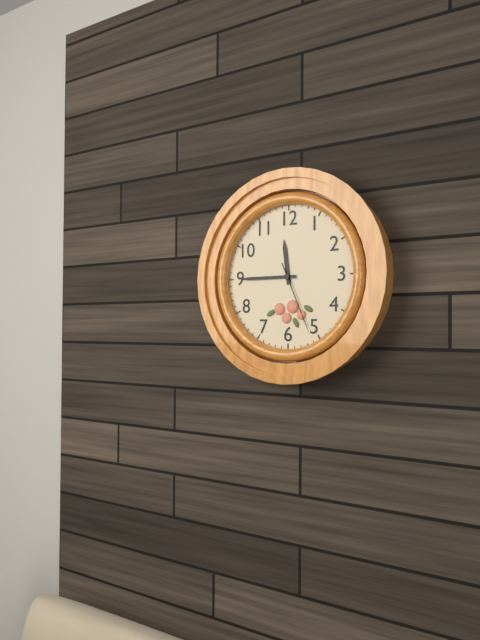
11h45m26s
